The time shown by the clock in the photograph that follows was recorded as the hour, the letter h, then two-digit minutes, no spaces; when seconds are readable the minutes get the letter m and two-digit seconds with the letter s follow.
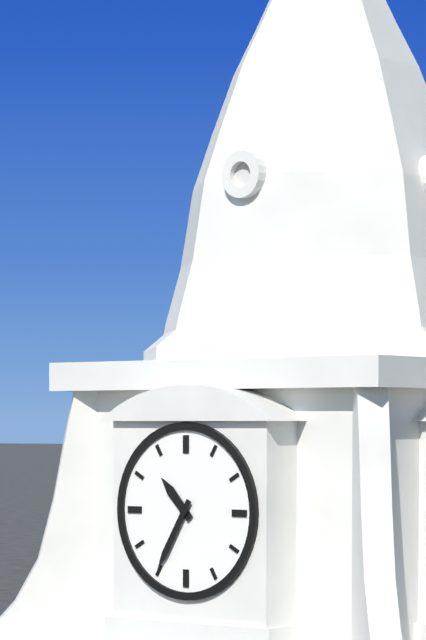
10h35
